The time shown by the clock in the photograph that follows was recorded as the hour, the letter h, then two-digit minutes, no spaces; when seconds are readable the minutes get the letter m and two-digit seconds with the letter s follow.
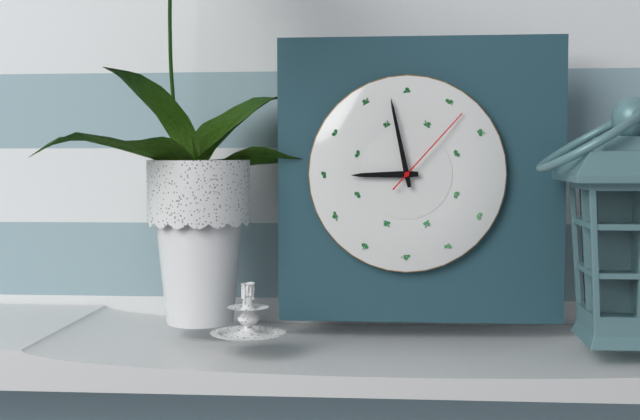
8h58m07s
